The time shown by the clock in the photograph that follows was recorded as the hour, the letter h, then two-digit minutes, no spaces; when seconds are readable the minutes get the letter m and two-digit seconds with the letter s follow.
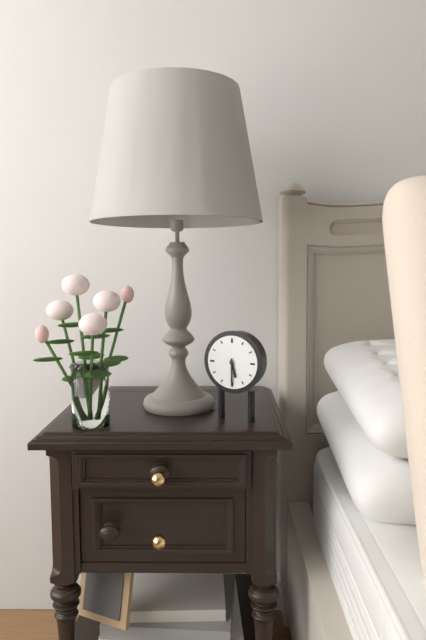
5h30
